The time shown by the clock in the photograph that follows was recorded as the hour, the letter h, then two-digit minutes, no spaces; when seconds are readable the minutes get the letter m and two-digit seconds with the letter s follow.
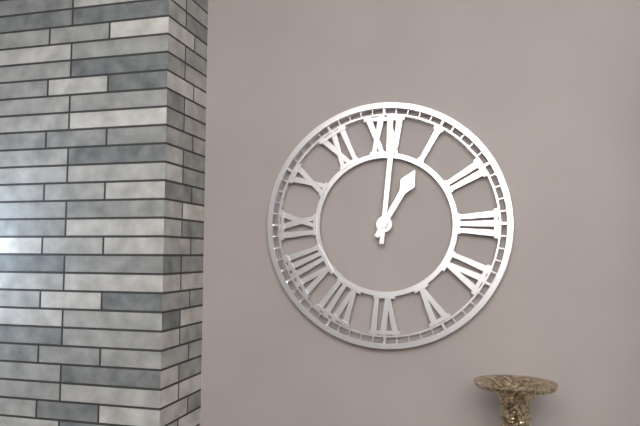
1h01
